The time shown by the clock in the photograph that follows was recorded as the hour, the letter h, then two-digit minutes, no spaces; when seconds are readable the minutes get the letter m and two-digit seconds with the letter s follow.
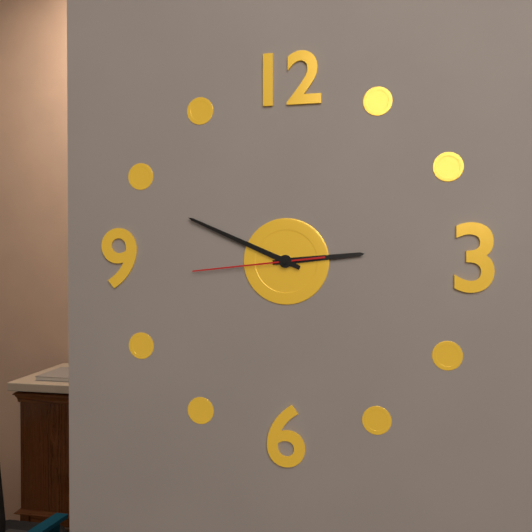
2h49m44s
